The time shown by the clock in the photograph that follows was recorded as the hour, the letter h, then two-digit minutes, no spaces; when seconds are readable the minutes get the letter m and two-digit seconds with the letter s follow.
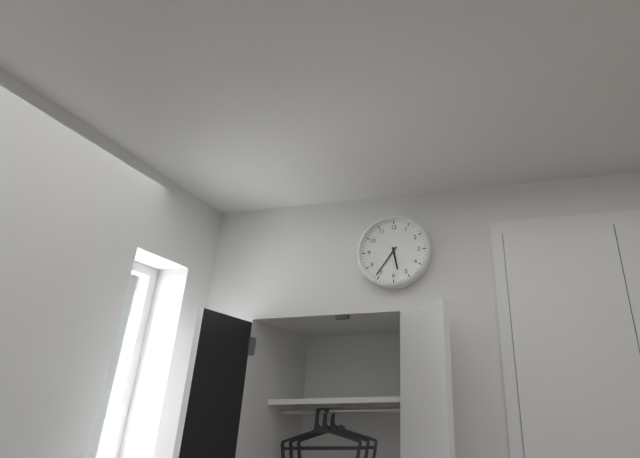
5h36
